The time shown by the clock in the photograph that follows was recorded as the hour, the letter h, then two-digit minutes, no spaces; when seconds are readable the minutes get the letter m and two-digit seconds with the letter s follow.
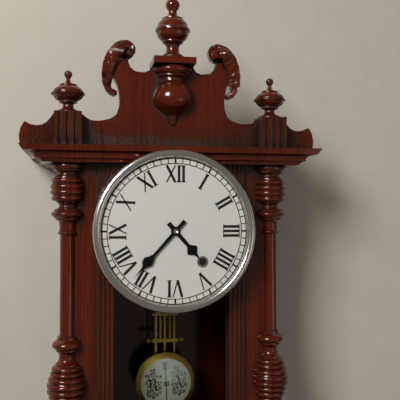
4h37
